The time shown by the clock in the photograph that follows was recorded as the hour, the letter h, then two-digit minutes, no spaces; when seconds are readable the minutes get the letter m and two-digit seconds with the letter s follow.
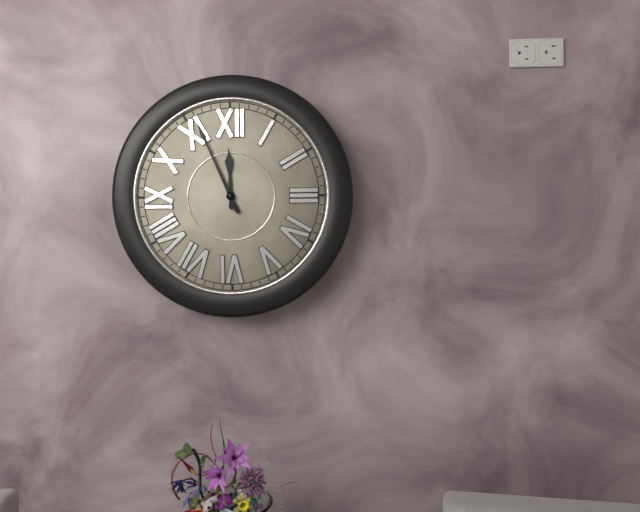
11h56
